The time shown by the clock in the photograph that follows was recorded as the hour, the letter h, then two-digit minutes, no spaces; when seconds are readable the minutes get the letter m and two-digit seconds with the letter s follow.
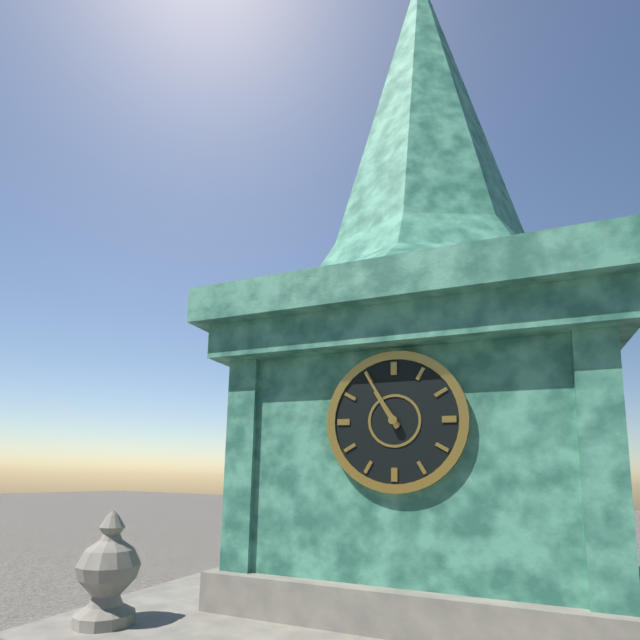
10h55
